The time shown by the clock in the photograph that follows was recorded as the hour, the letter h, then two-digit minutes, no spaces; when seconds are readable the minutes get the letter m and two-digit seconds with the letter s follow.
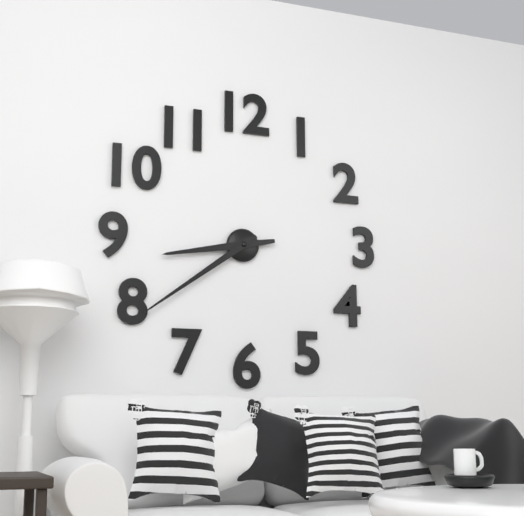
8h39
